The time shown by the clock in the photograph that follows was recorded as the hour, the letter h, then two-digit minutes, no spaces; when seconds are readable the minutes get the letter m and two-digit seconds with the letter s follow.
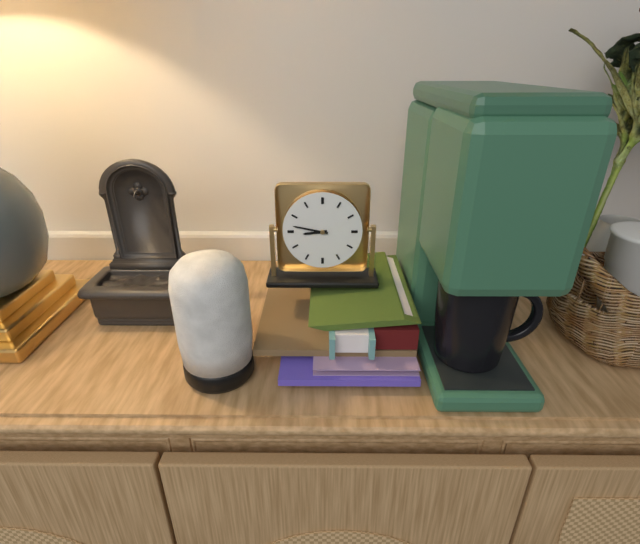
8h47
